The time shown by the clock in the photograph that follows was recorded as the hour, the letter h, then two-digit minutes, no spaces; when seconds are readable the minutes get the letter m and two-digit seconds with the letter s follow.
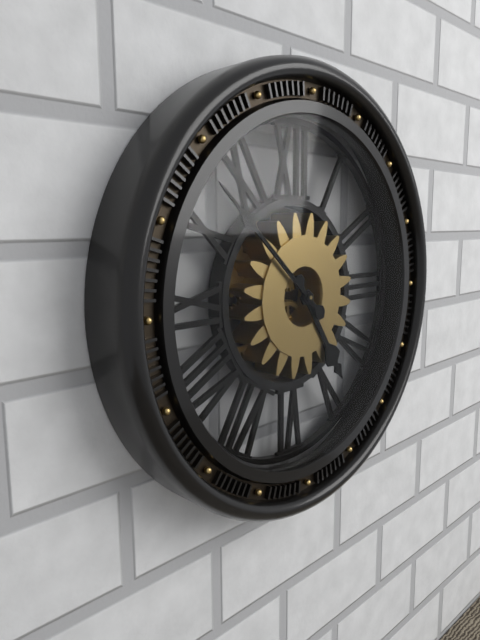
4h52
